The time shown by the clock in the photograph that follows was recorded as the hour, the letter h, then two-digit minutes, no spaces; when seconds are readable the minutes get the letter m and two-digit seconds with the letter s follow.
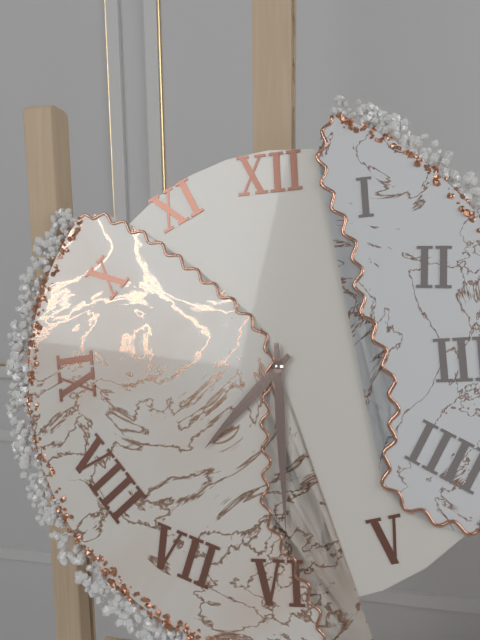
7h30
